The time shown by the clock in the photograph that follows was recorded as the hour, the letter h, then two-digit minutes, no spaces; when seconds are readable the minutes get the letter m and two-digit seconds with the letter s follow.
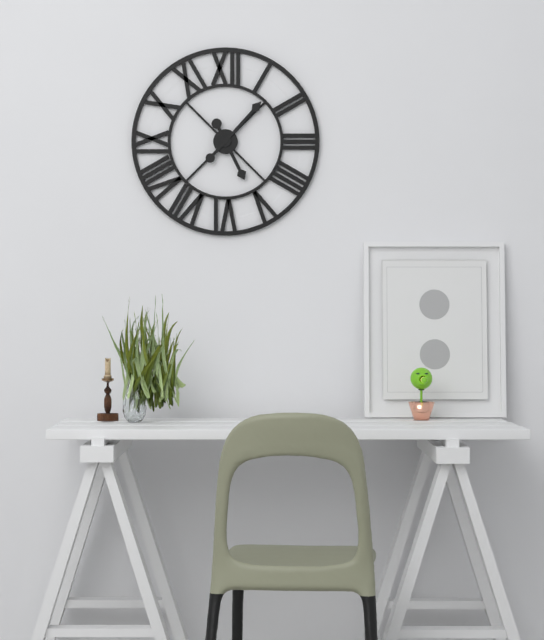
5h07
